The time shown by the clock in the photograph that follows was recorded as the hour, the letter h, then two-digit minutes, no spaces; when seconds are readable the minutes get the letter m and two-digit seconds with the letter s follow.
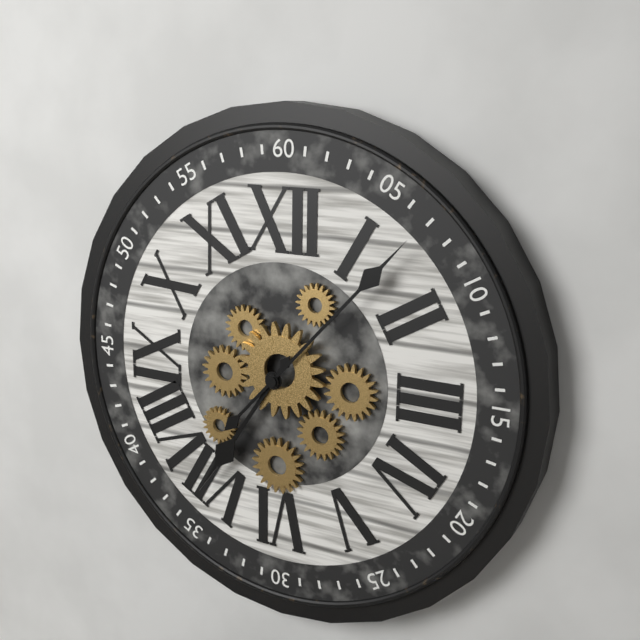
7h07
